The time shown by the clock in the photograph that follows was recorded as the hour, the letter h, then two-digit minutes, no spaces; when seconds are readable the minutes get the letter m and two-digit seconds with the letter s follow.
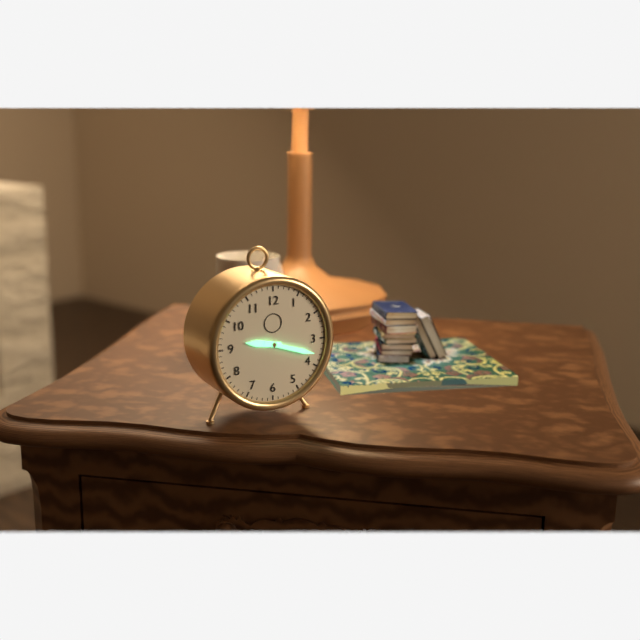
9h18
